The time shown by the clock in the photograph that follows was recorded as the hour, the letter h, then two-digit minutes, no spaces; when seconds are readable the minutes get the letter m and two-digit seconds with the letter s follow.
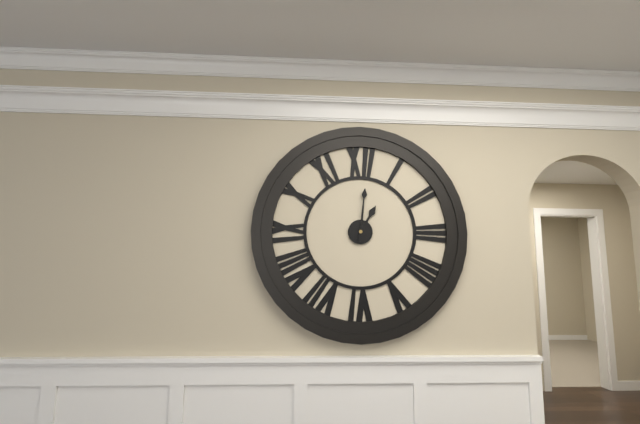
1h01
